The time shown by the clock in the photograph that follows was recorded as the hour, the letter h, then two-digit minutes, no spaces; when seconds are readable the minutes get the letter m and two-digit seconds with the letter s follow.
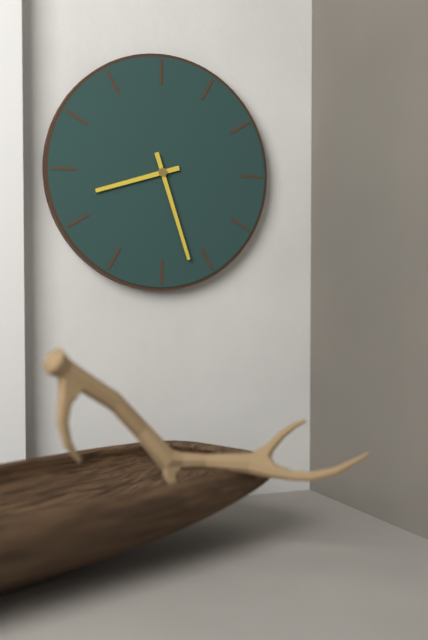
8h27
